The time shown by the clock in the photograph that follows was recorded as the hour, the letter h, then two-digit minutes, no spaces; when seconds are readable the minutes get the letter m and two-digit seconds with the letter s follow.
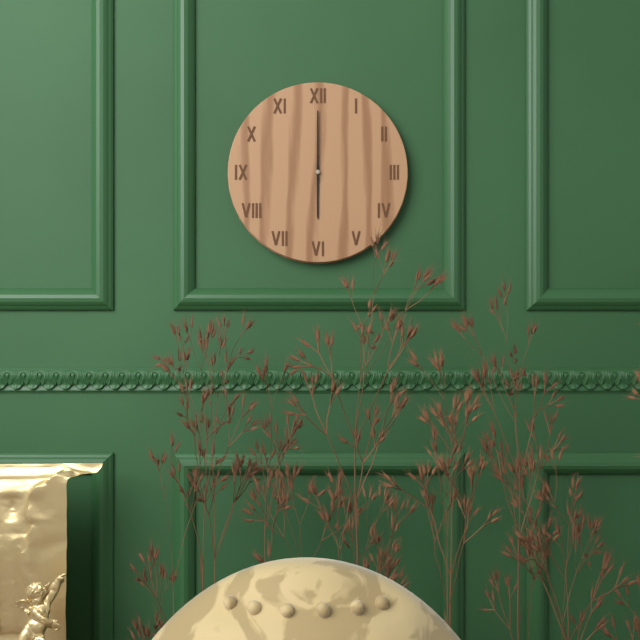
6h00
